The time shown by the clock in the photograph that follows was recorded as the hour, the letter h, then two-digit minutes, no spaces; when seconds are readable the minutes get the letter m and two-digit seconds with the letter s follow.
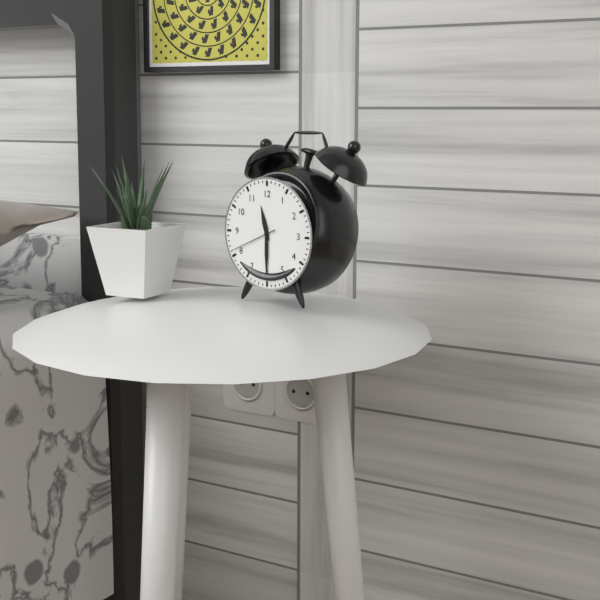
11h30
